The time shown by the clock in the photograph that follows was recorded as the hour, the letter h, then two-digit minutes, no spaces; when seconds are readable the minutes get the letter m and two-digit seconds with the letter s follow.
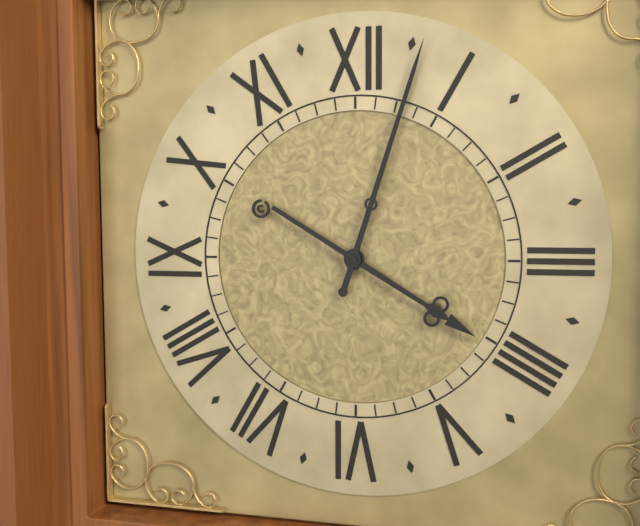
4h03
